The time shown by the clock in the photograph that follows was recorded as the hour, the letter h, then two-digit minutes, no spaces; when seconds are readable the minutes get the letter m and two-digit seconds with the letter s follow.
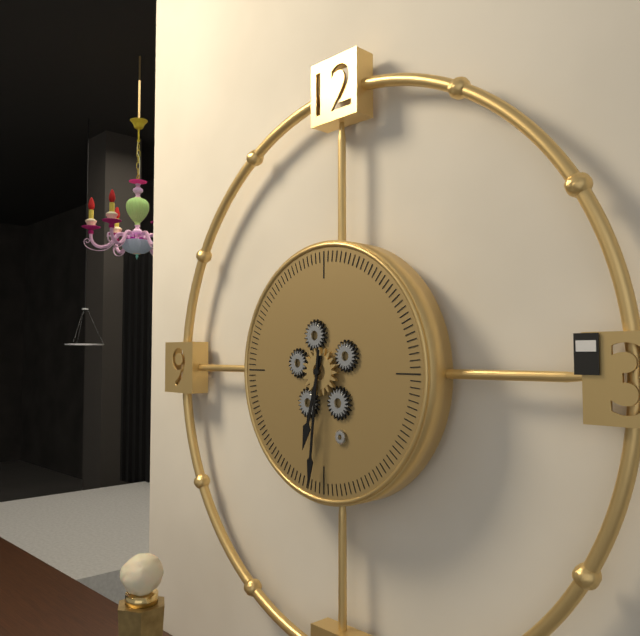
6h31
